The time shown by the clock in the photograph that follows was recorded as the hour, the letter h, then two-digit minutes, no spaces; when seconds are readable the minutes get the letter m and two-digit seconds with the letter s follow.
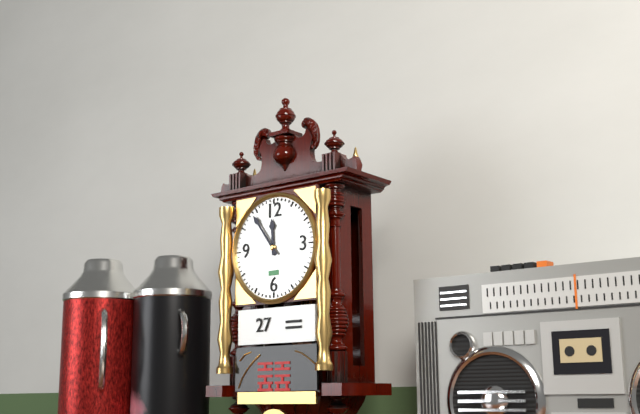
11h54
